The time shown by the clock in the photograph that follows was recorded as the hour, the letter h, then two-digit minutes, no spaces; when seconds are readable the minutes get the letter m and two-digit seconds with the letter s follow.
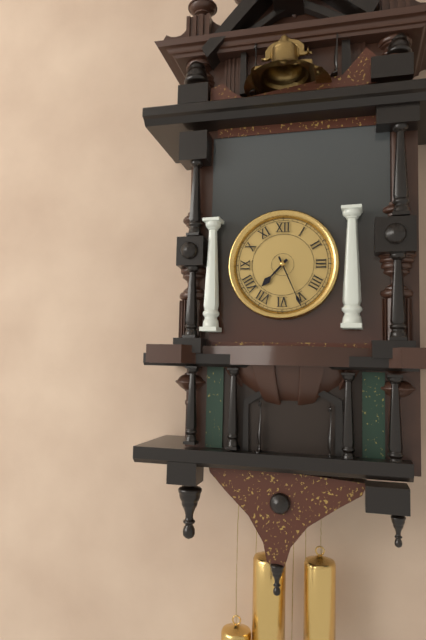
7h26
